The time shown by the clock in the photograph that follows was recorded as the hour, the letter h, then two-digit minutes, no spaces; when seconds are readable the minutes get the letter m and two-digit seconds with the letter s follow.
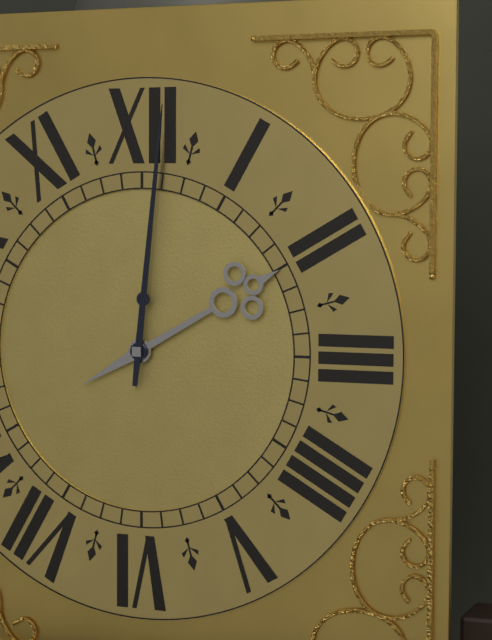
2h01
